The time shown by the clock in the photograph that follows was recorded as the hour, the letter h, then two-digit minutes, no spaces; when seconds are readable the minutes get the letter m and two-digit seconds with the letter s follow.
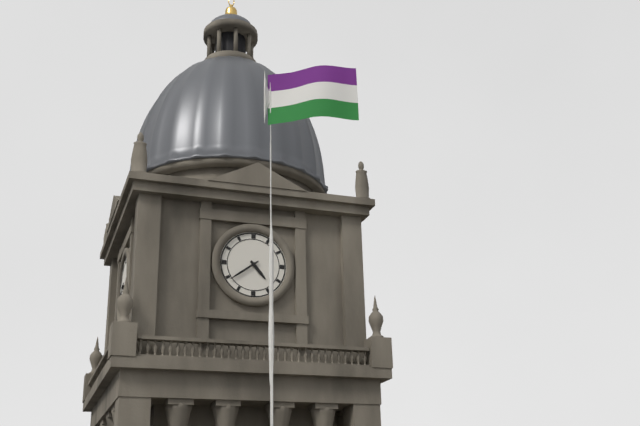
4h39
